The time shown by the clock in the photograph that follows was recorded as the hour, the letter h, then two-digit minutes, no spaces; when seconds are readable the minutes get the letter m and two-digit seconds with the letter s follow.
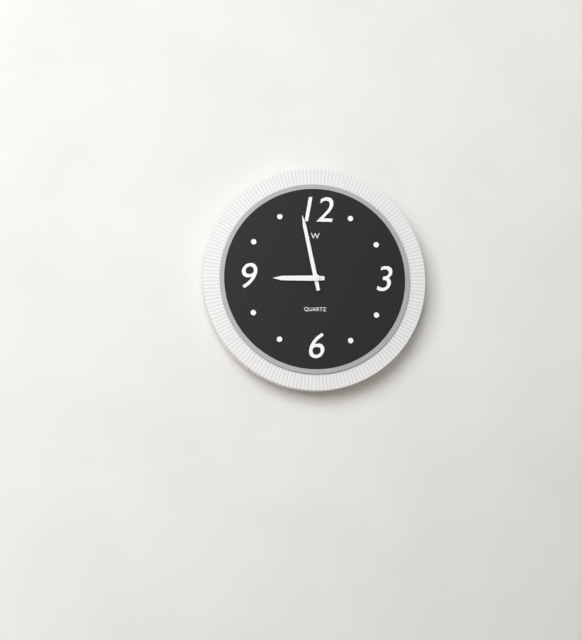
8h58
